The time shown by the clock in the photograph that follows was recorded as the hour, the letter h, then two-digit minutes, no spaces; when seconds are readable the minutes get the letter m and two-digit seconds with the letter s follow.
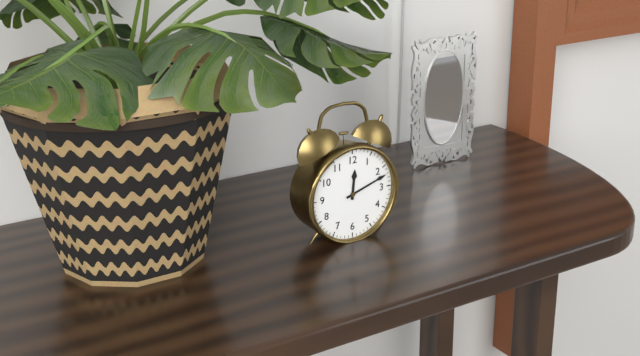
12h12
